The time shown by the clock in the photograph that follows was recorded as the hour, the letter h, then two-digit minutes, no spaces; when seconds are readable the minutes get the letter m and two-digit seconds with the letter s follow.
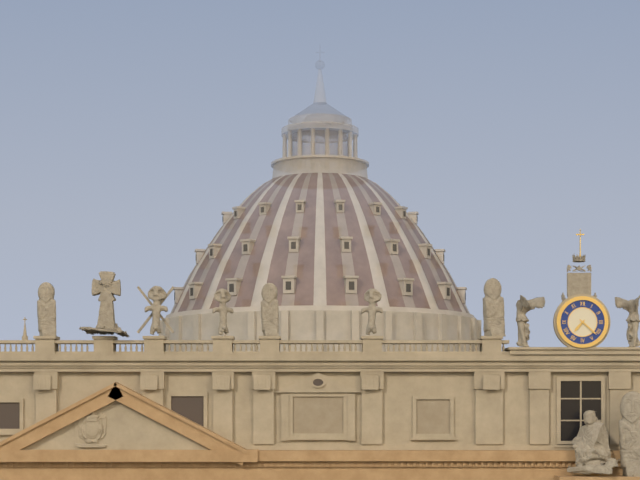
7h22
